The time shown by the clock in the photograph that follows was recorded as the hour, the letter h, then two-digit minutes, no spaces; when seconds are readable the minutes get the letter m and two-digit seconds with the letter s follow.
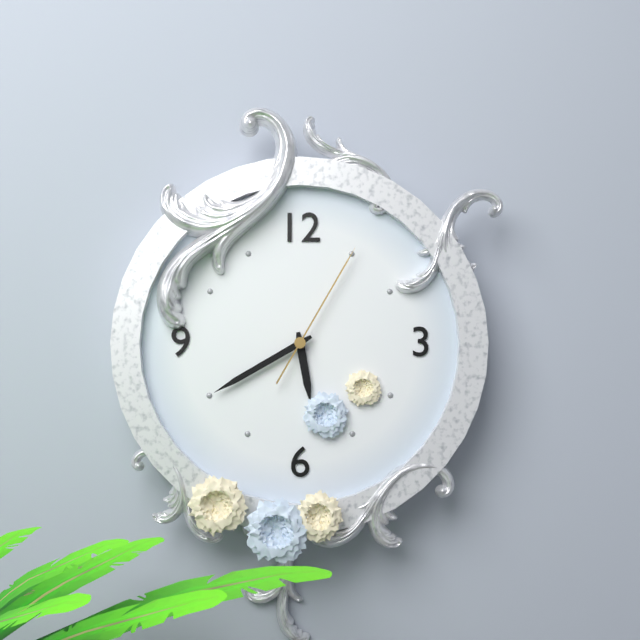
5h40m05s
